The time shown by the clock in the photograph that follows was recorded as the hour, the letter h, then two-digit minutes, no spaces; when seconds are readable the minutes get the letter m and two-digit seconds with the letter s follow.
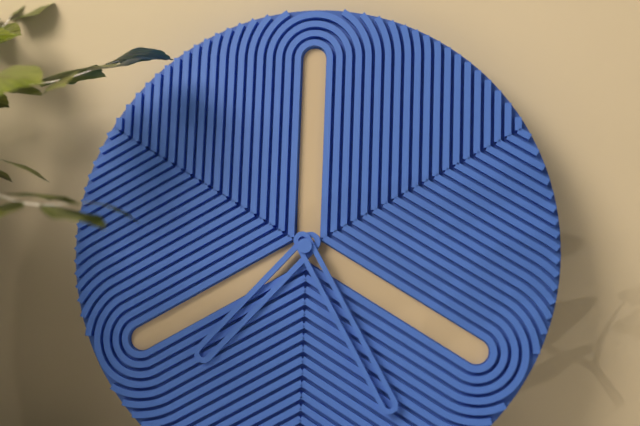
7h25
